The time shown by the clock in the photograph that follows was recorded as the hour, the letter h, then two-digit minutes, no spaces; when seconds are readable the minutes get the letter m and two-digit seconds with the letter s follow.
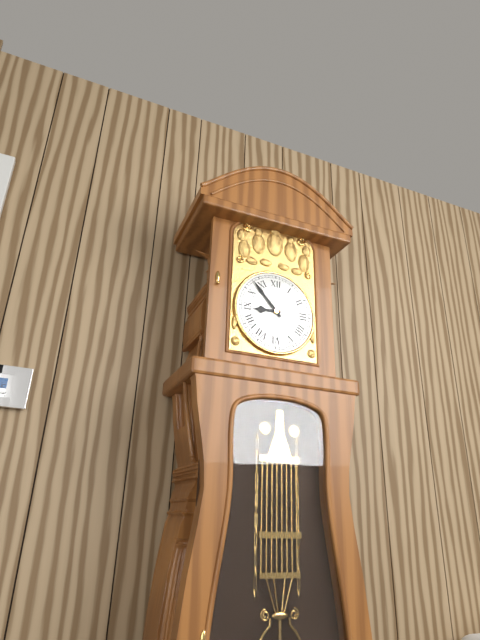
8h53
